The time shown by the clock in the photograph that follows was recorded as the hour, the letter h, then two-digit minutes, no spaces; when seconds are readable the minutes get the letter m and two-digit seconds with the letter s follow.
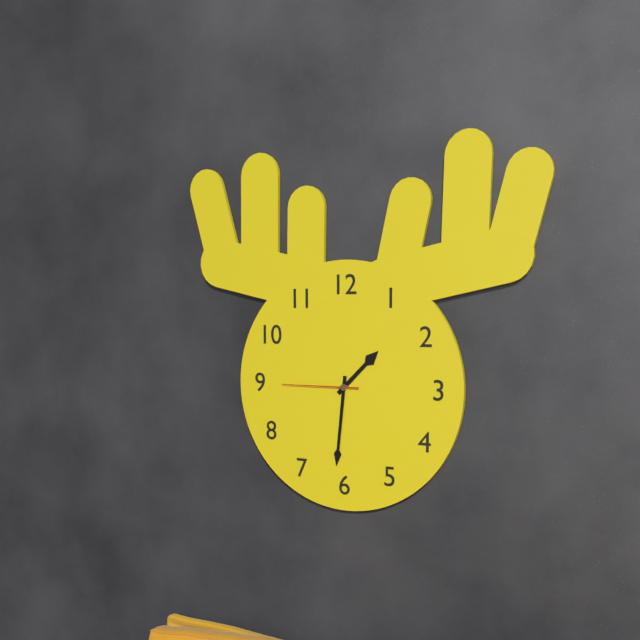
1h31m45s
